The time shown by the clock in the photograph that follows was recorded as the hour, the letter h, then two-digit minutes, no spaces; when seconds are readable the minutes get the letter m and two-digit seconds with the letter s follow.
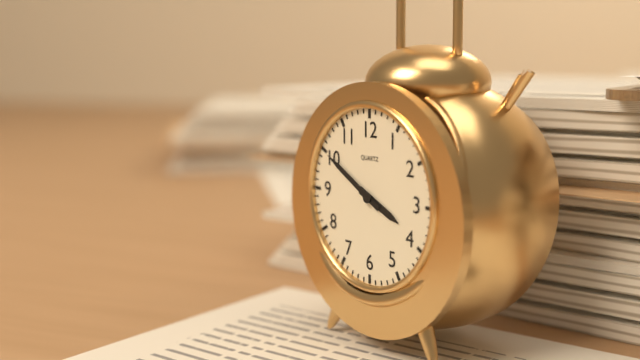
3h50
